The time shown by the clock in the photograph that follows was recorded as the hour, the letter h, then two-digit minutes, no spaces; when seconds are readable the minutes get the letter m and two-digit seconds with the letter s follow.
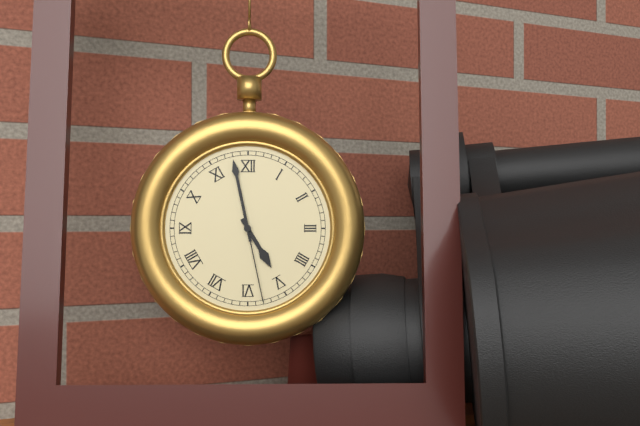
4h58m28s
